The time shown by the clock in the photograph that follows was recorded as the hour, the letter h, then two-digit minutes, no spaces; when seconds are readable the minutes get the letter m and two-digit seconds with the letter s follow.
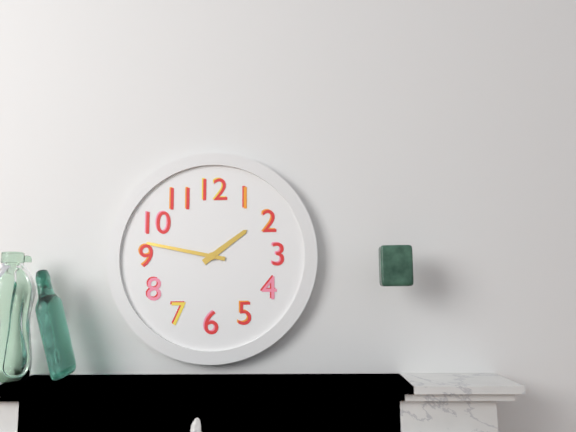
1h47
